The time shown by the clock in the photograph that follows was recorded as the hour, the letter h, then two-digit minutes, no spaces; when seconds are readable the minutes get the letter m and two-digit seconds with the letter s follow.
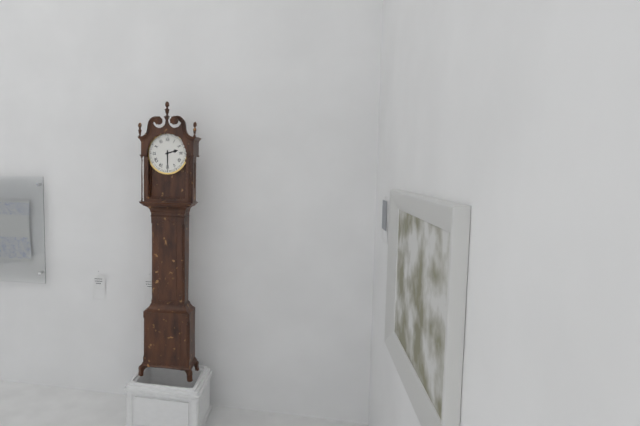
2h30
